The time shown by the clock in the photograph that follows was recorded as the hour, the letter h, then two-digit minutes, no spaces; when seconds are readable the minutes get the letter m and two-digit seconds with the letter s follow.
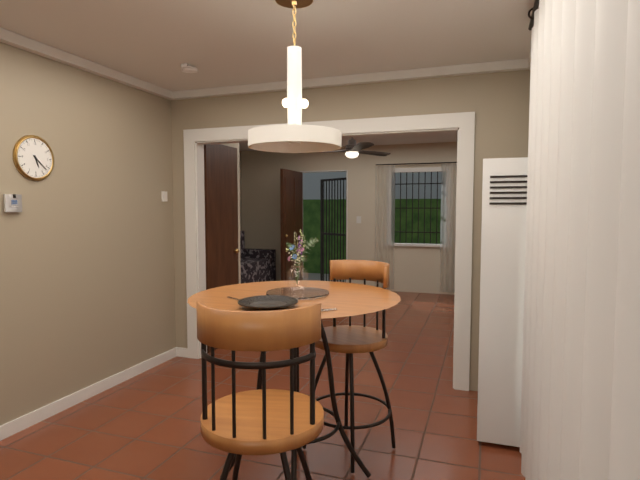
5h22
